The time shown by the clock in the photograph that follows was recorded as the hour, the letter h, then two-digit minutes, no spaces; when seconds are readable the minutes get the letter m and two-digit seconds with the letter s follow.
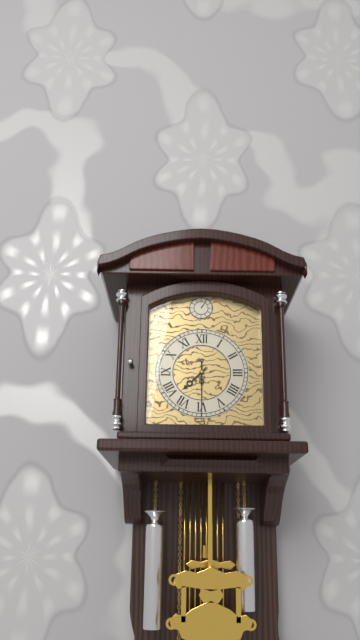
7h30
